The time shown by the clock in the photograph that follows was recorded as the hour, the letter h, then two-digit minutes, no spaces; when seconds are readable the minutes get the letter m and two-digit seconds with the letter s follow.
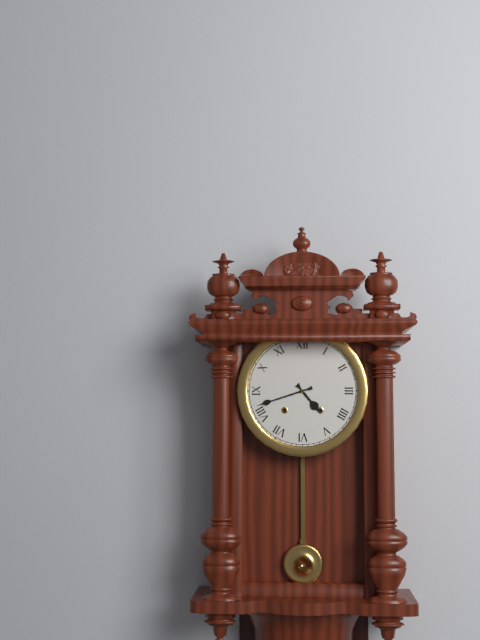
4h42
